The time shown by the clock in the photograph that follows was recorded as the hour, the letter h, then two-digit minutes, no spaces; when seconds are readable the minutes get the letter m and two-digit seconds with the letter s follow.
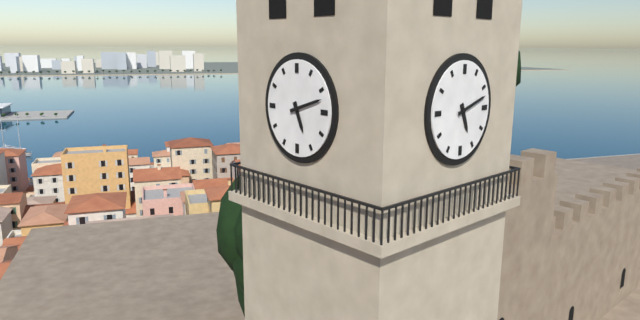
5h12
